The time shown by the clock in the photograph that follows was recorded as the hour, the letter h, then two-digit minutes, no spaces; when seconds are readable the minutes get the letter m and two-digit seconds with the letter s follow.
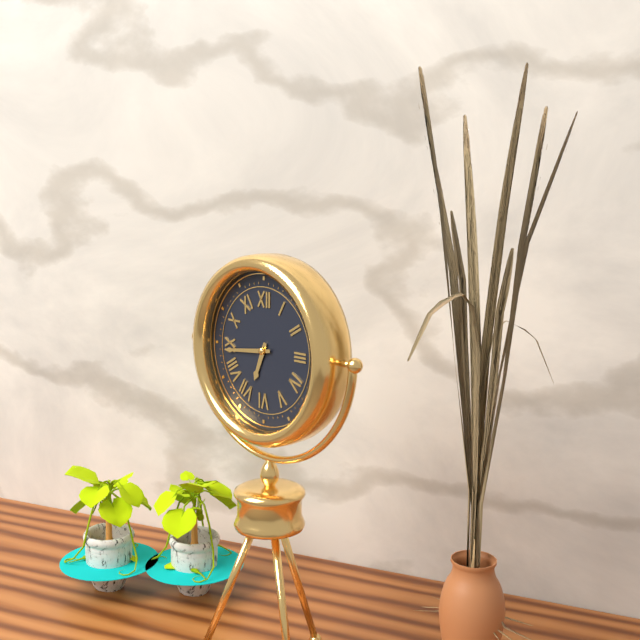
6h44
